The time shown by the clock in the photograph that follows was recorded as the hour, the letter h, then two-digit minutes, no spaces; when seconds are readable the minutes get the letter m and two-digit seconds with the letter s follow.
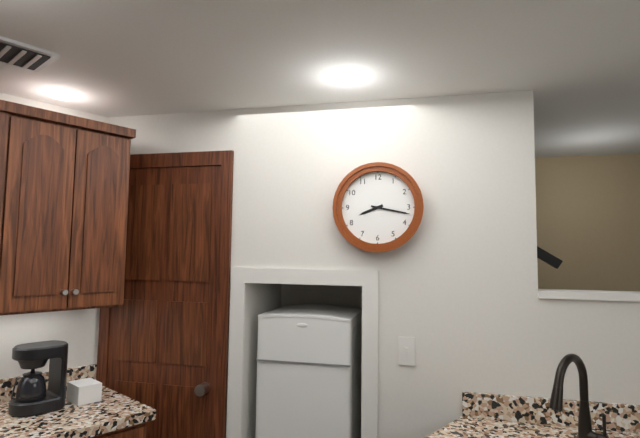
8h17
